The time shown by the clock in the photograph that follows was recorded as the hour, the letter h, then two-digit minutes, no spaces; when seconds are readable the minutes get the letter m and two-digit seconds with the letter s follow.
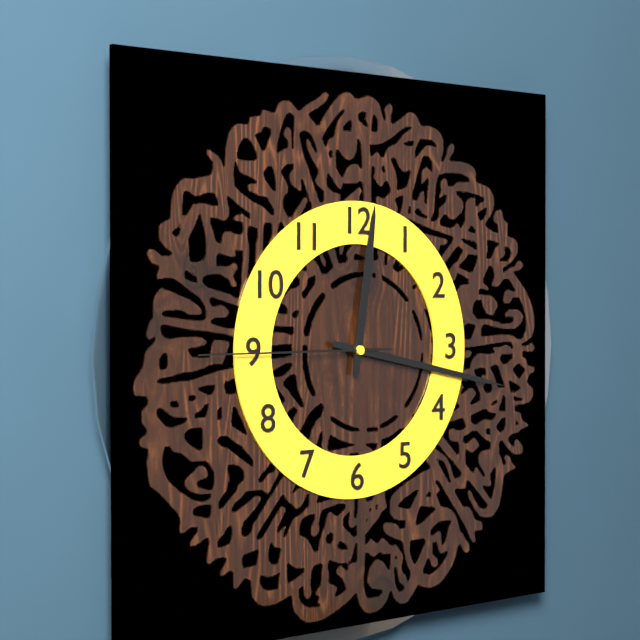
12h17m45s
